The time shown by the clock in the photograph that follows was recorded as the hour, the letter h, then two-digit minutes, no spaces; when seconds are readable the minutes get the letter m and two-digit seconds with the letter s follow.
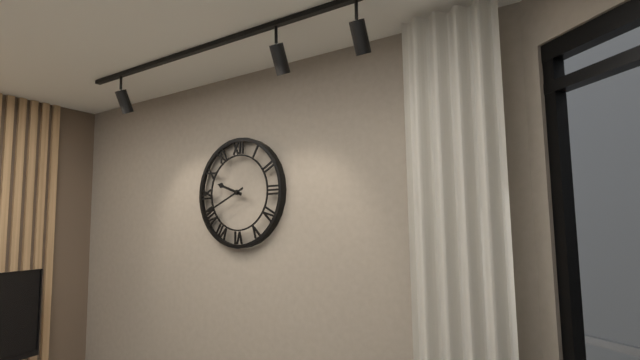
9h41
